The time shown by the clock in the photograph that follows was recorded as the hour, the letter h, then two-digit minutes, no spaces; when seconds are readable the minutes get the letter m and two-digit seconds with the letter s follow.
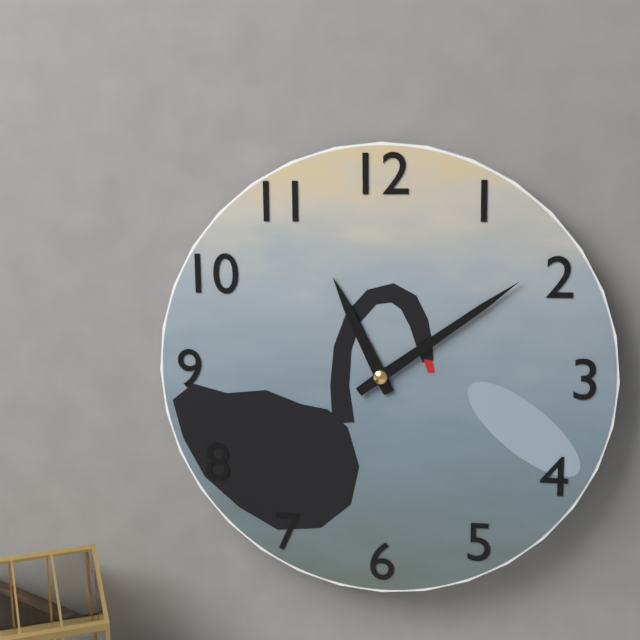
11h09
